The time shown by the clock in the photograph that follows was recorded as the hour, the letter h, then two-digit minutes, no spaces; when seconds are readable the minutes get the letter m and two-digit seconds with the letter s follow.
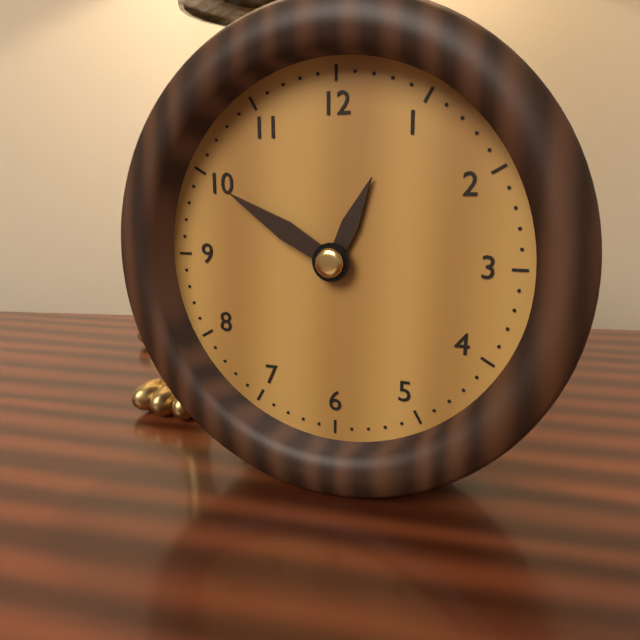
12h50
